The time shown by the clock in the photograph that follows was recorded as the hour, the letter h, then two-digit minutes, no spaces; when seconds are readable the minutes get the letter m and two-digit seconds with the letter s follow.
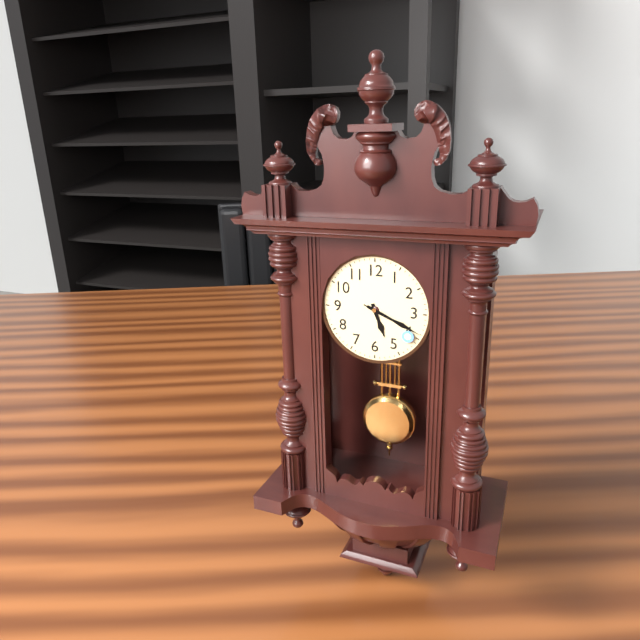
5h19m19s
